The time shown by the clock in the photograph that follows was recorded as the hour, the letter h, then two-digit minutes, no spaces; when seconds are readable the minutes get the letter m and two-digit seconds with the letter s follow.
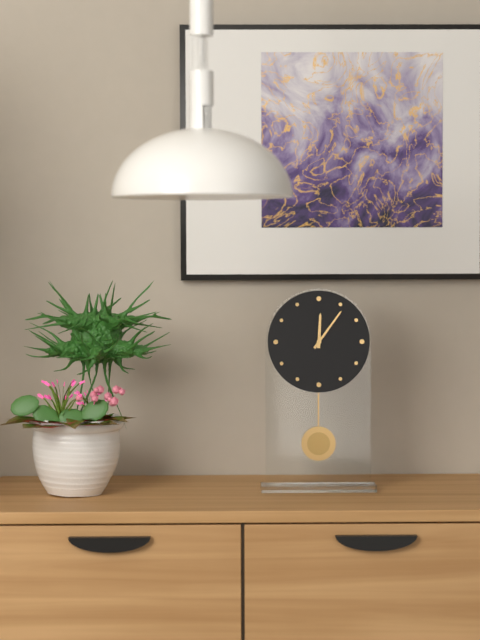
12h06
